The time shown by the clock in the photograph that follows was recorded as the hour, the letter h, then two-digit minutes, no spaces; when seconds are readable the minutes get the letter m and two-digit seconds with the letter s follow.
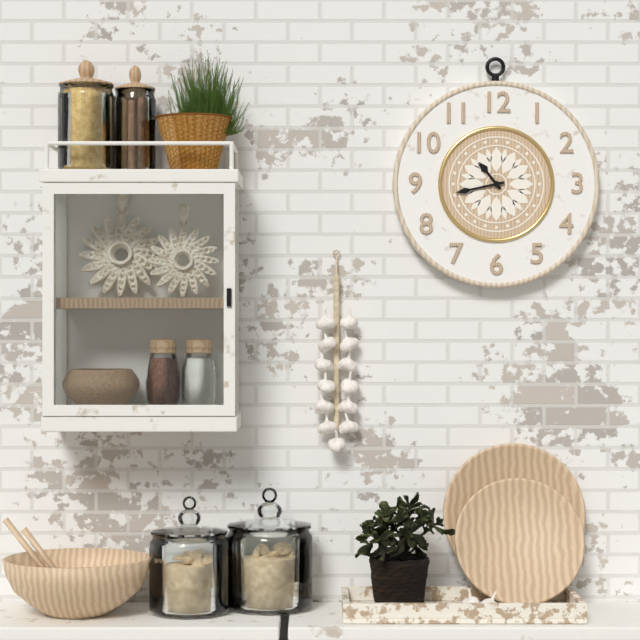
10h43
